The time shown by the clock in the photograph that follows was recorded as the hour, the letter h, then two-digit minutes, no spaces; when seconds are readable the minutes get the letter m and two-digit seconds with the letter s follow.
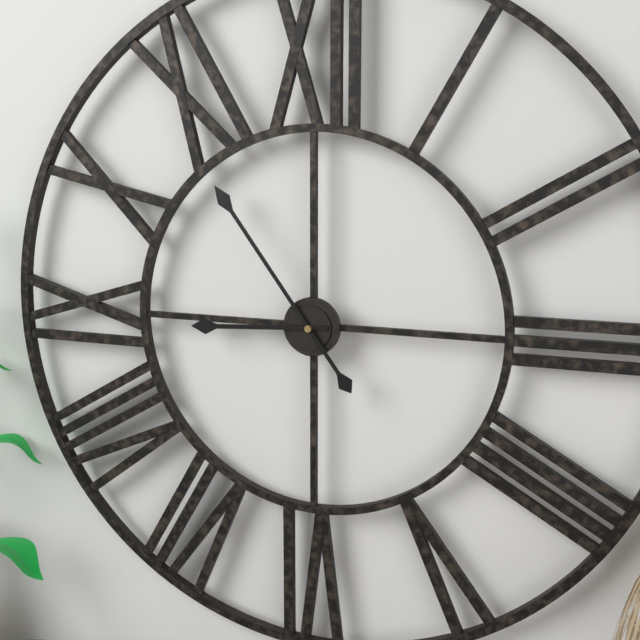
8h54
